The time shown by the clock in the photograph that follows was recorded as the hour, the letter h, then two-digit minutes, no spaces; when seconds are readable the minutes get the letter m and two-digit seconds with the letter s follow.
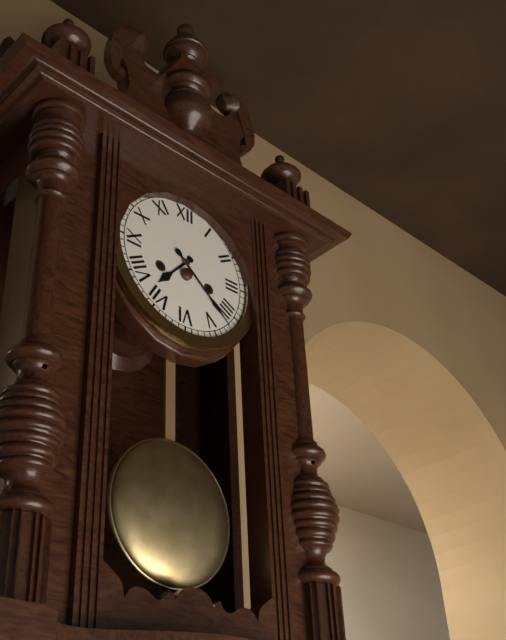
7h22
